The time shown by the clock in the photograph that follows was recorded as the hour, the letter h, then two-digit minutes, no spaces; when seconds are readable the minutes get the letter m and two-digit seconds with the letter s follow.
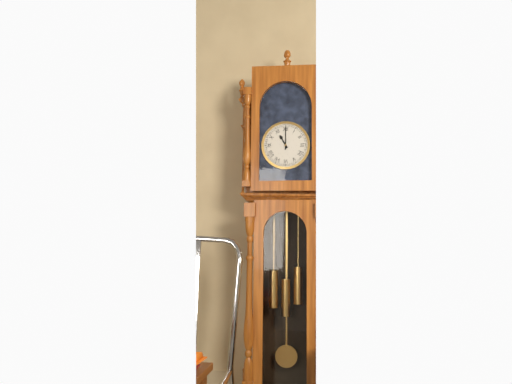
11h00
